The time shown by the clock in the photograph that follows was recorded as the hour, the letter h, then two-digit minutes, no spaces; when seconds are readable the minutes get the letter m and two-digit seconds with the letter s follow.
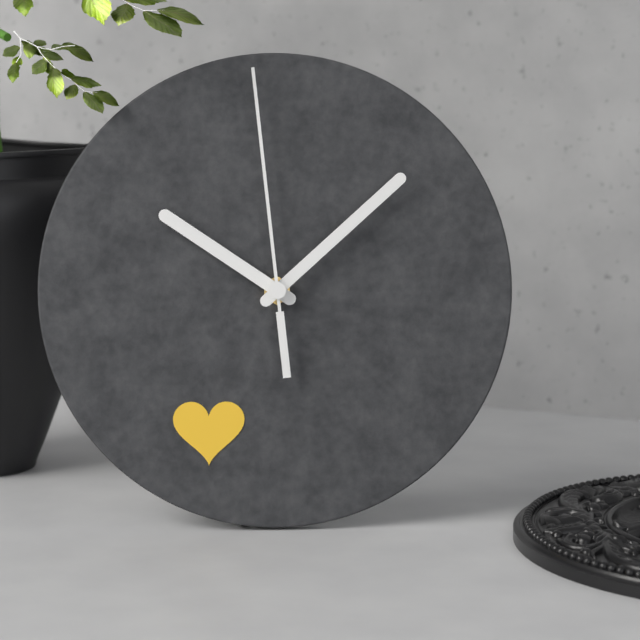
10h08m59s
